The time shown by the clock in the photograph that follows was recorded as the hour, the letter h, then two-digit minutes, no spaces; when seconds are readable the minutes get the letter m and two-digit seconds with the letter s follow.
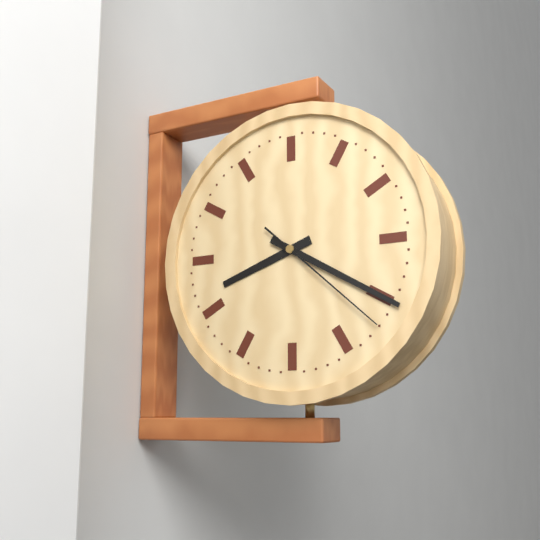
8h20m22s
